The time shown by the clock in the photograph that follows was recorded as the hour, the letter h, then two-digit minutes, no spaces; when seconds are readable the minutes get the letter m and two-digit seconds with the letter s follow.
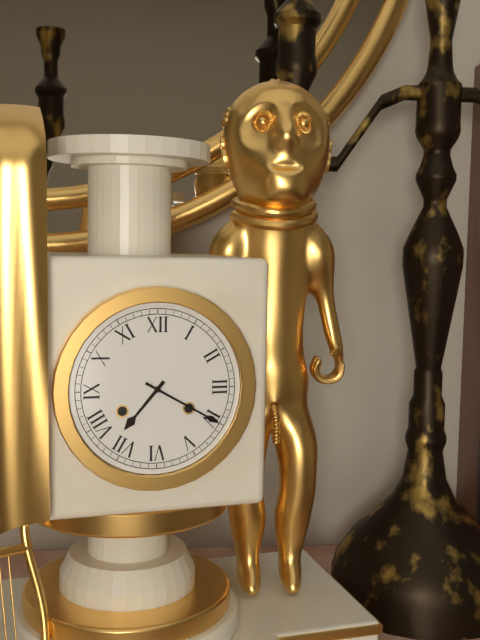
7h20
